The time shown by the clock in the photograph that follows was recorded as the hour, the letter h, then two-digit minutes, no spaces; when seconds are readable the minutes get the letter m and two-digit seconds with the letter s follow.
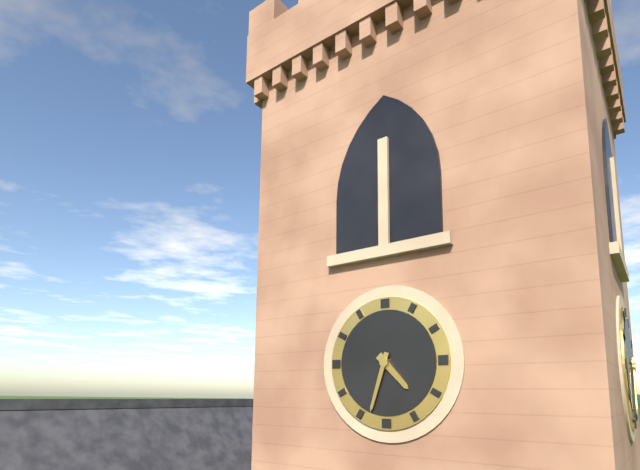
4h33
